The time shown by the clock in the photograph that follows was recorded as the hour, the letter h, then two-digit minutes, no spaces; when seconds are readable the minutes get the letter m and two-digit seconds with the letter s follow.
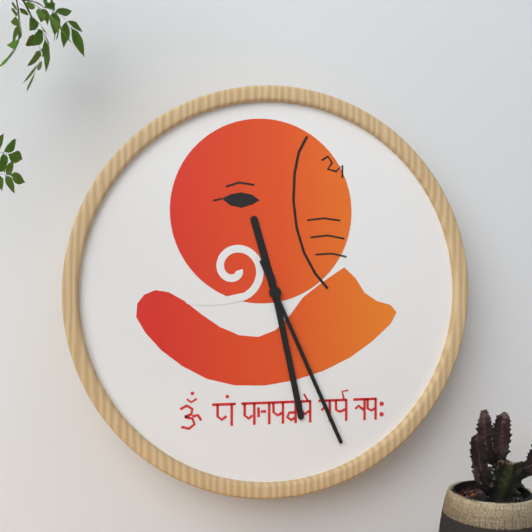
11h28m26s
